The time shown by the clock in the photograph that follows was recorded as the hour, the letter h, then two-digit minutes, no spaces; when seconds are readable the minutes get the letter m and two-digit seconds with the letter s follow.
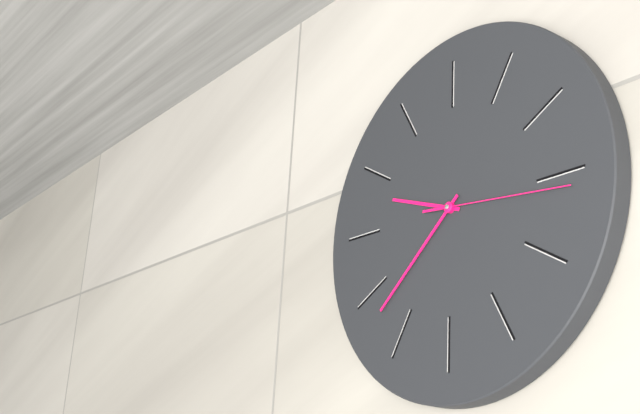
9h38m16s
